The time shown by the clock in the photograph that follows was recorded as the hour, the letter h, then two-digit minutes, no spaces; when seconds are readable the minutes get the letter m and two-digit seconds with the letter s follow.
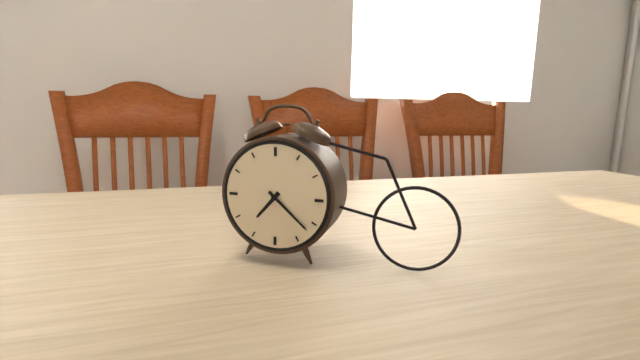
7h22
